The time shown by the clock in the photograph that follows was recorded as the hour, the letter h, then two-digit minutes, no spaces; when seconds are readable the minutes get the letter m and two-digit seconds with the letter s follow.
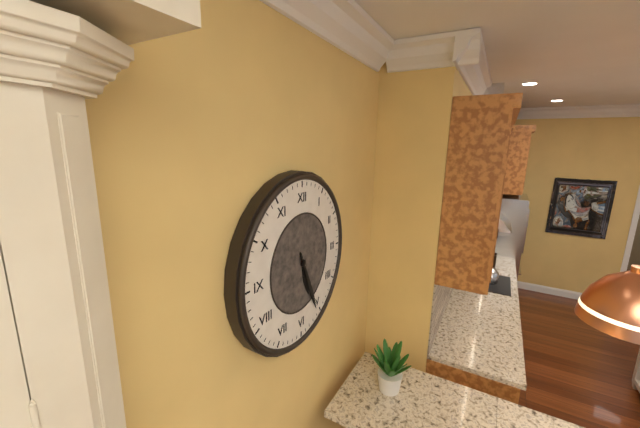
5h26
